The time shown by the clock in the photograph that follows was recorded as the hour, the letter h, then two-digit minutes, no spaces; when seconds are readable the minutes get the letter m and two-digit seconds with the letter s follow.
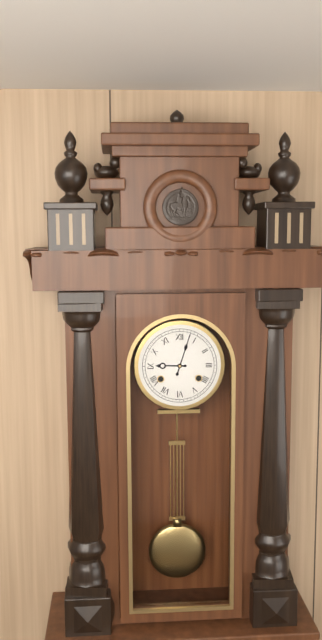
9h03
